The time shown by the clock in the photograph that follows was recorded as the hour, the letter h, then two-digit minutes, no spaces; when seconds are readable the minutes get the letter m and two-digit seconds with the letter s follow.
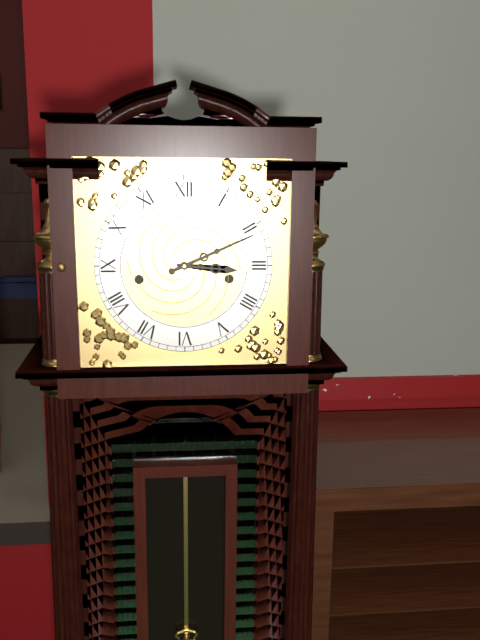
3h11
